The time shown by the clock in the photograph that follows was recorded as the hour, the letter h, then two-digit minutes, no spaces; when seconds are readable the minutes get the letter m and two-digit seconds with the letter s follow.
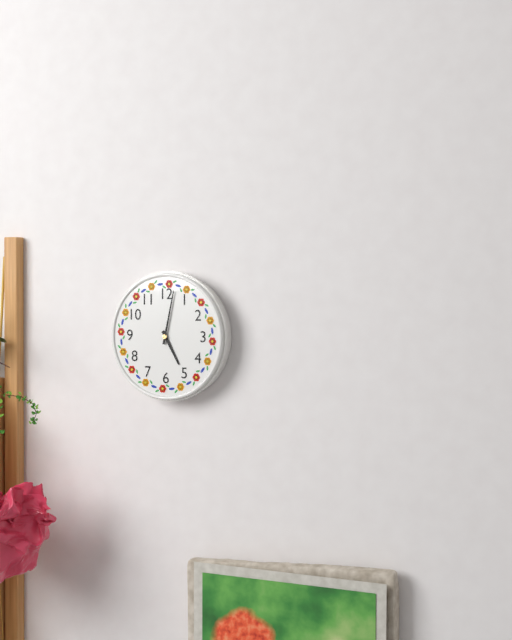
5h02
